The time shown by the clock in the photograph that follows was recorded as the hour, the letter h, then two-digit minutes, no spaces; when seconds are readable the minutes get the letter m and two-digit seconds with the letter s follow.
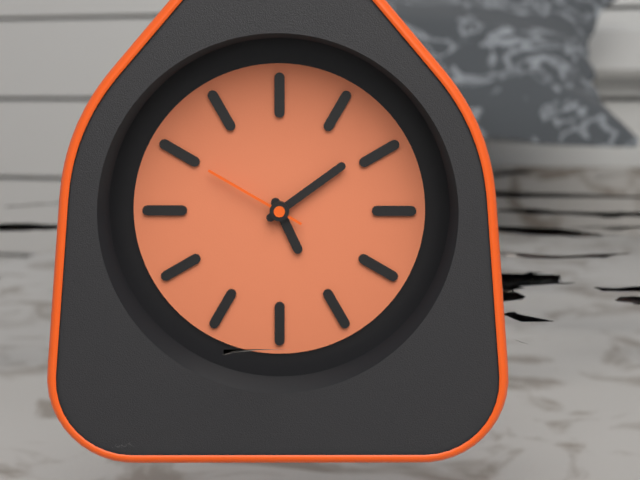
5h09m50s
